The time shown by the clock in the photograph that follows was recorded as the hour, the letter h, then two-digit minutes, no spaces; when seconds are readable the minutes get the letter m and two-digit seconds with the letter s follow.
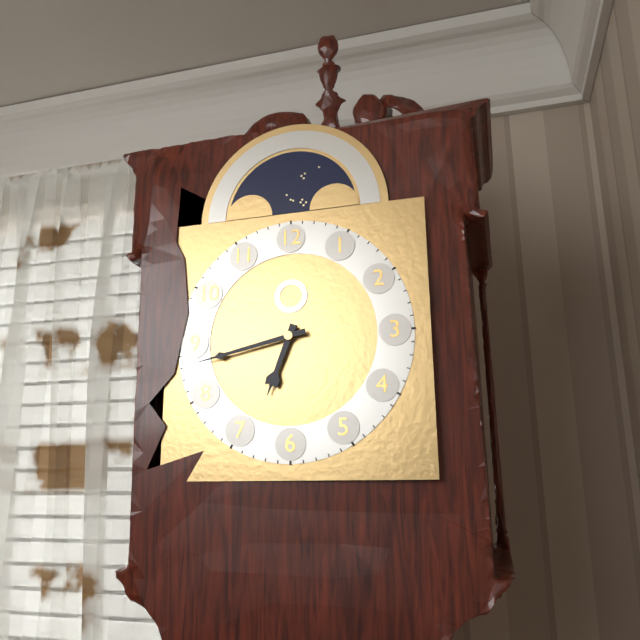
6h43
